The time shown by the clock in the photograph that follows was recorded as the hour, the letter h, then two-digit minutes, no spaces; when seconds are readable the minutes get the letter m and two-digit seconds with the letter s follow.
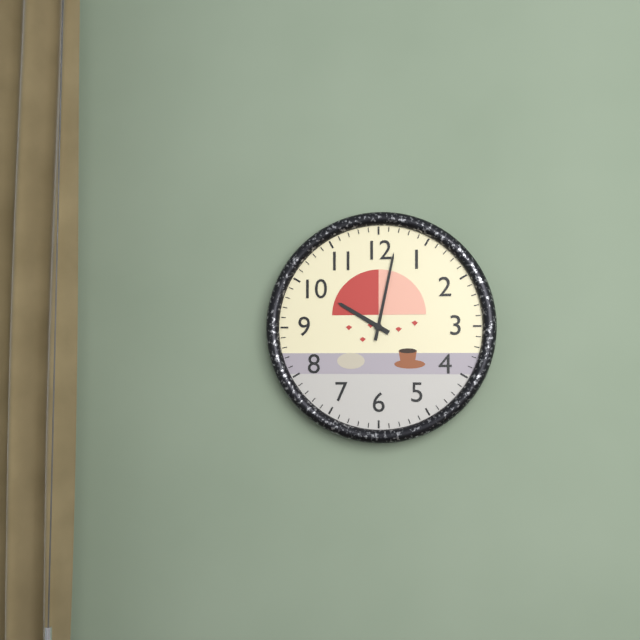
10h02
